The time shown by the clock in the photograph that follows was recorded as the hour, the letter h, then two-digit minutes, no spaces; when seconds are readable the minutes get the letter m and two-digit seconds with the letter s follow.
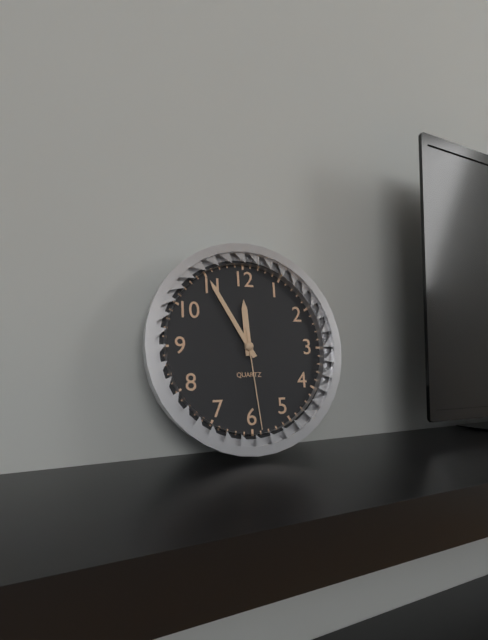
11h55m29s
